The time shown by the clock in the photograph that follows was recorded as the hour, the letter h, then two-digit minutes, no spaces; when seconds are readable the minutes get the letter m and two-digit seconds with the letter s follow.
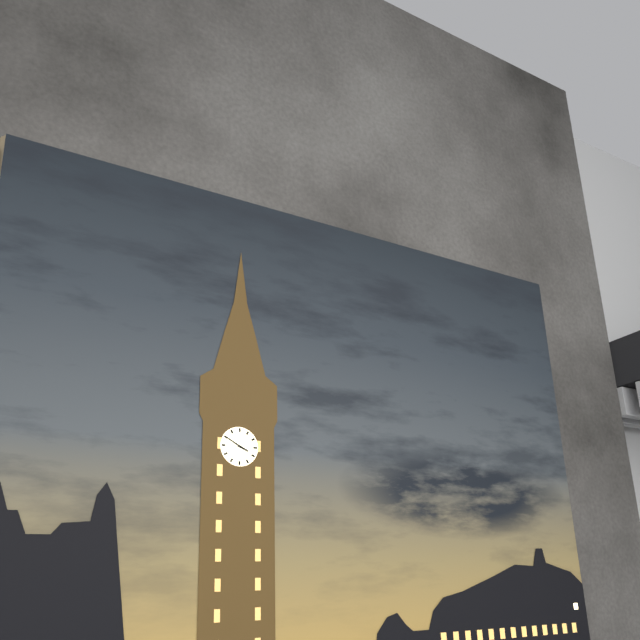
3h50
